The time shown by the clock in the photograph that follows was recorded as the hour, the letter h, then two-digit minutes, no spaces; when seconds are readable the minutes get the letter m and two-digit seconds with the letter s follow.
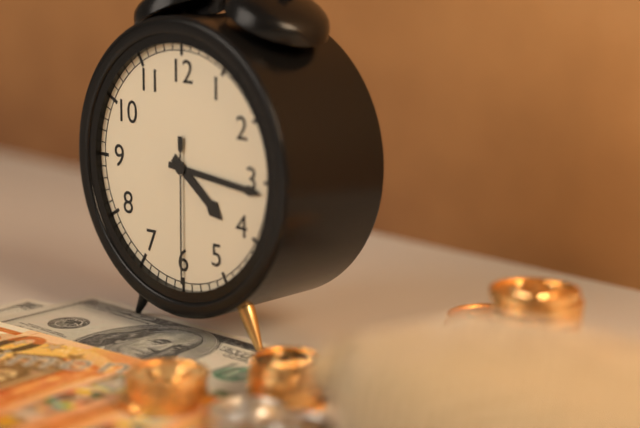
4h16m30s
